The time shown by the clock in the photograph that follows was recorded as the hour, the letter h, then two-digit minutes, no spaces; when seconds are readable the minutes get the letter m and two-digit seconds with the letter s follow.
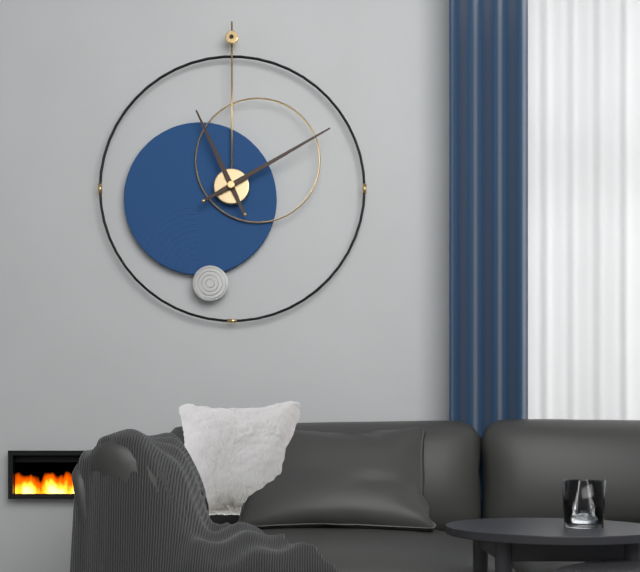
11h10
